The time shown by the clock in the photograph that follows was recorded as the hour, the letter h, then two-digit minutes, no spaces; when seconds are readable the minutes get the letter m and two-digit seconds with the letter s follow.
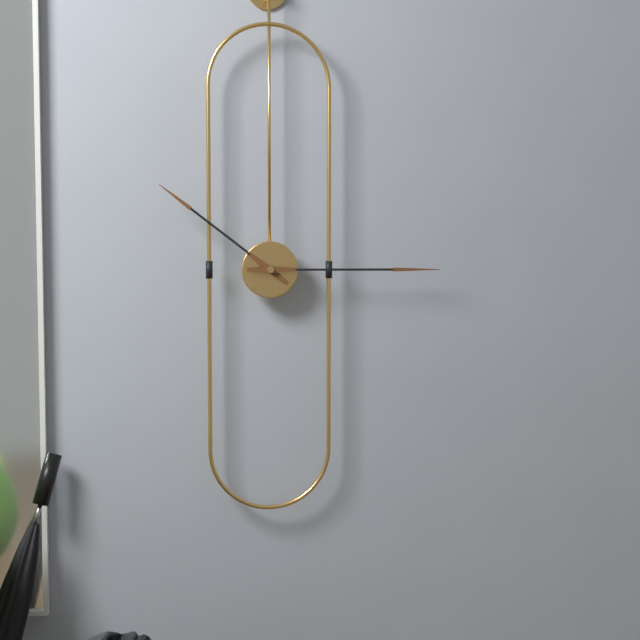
10h15
